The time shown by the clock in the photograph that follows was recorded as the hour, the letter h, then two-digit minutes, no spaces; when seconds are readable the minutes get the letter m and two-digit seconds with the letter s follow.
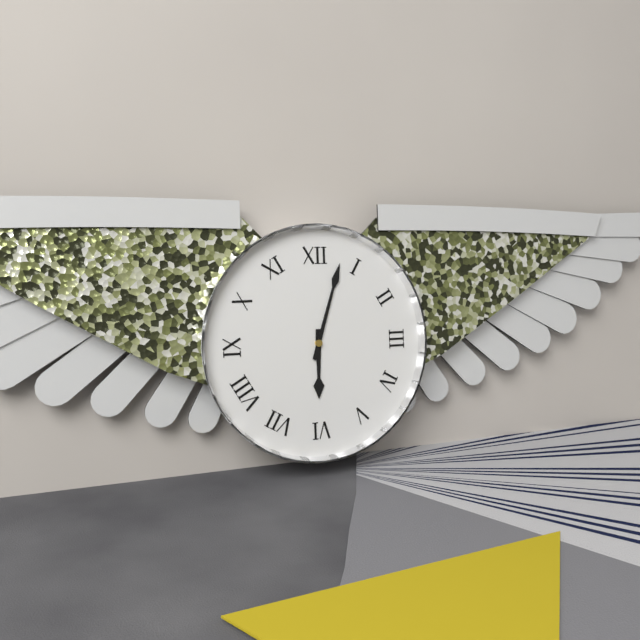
6h03
